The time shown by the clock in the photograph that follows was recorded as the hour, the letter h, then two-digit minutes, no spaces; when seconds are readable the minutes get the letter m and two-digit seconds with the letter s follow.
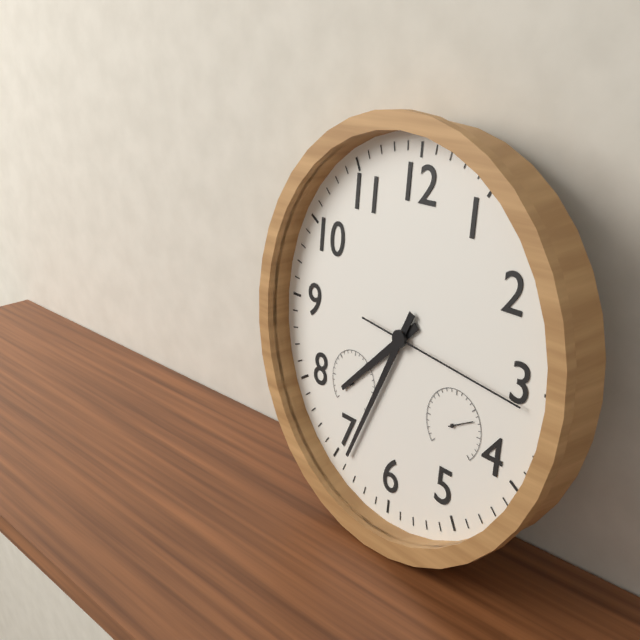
7h34m16s
